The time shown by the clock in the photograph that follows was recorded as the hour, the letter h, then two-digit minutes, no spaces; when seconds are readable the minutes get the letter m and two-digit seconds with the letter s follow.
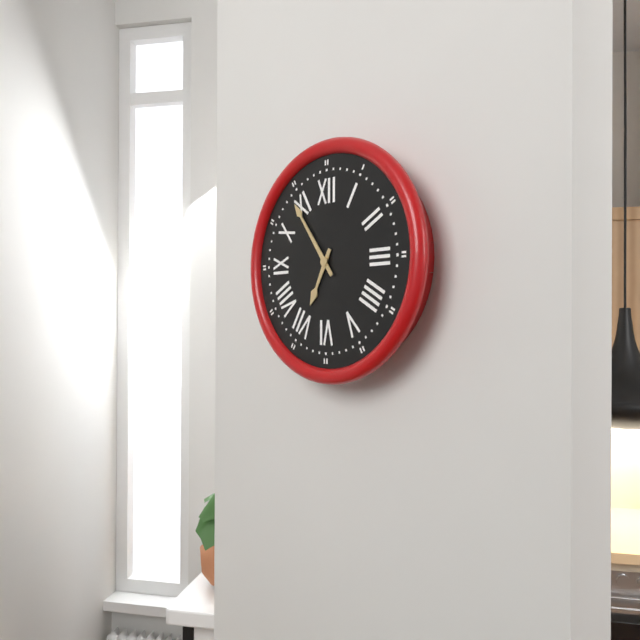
6h54
